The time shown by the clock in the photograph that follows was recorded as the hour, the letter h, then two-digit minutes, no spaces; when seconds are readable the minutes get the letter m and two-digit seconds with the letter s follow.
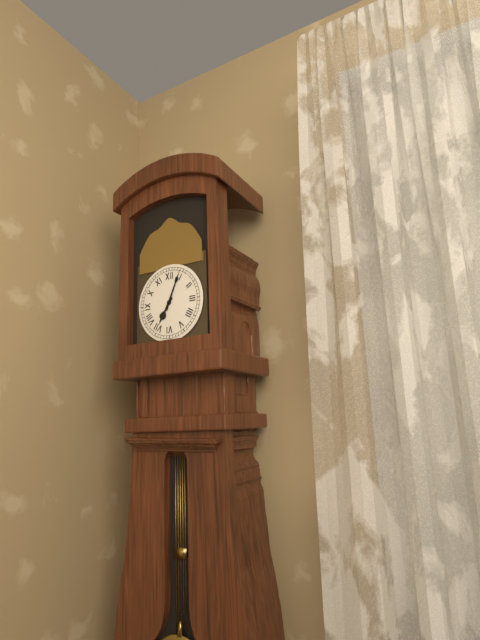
7h04
